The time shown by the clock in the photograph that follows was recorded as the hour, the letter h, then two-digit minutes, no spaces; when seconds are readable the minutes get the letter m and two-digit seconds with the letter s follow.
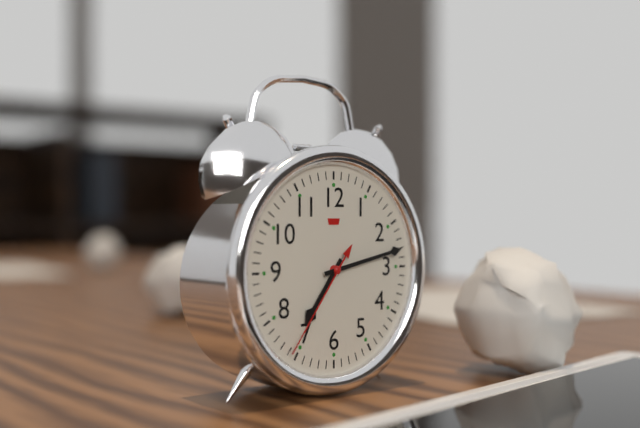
7h13m36s
